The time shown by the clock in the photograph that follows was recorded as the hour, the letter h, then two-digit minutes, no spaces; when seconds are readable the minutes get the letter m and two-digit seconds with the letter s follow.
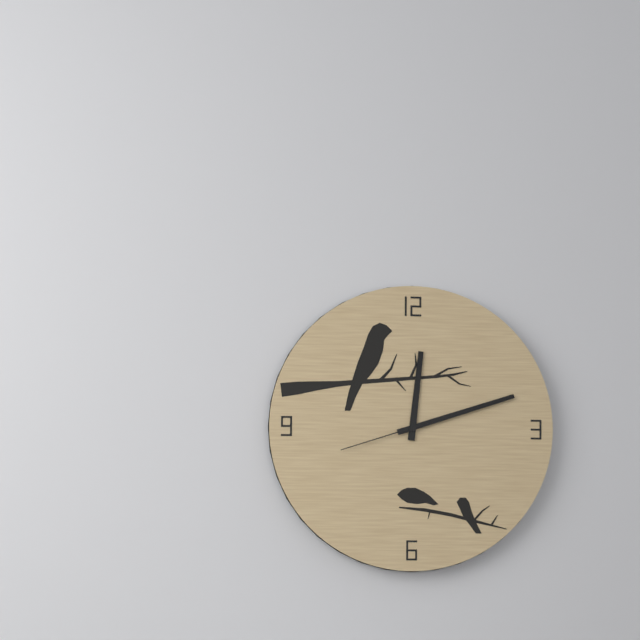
12h12m42s
